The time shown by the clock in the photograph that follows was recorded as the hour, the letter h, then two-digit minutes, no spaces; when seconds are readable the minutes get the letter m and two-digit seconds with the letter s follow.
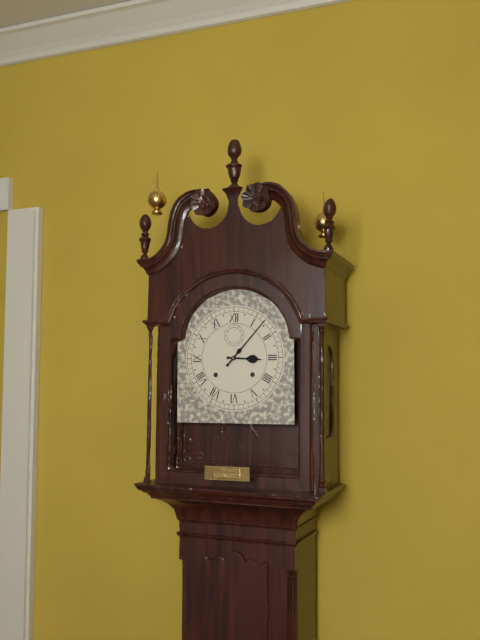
3h07
